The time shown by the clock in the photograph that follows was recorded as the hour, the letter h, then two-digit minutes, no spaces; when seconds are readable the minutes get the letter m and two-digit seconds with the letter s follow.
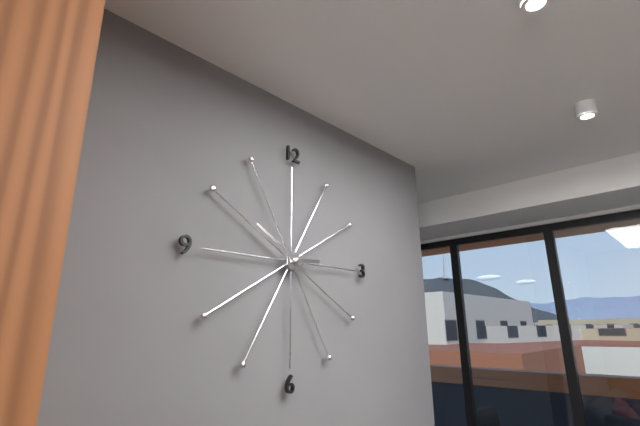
2h50
